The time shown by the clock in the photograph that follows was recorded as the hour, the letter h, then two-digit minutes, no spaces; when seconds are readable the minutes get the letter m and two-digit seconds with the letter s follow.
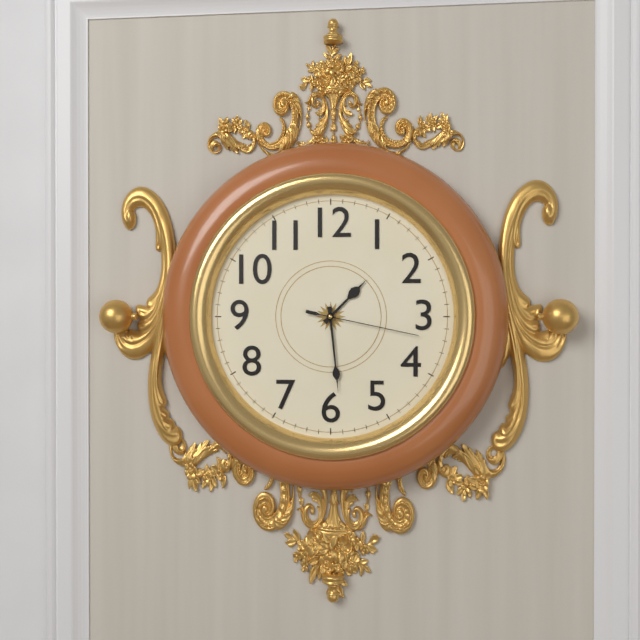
1h29m17s
